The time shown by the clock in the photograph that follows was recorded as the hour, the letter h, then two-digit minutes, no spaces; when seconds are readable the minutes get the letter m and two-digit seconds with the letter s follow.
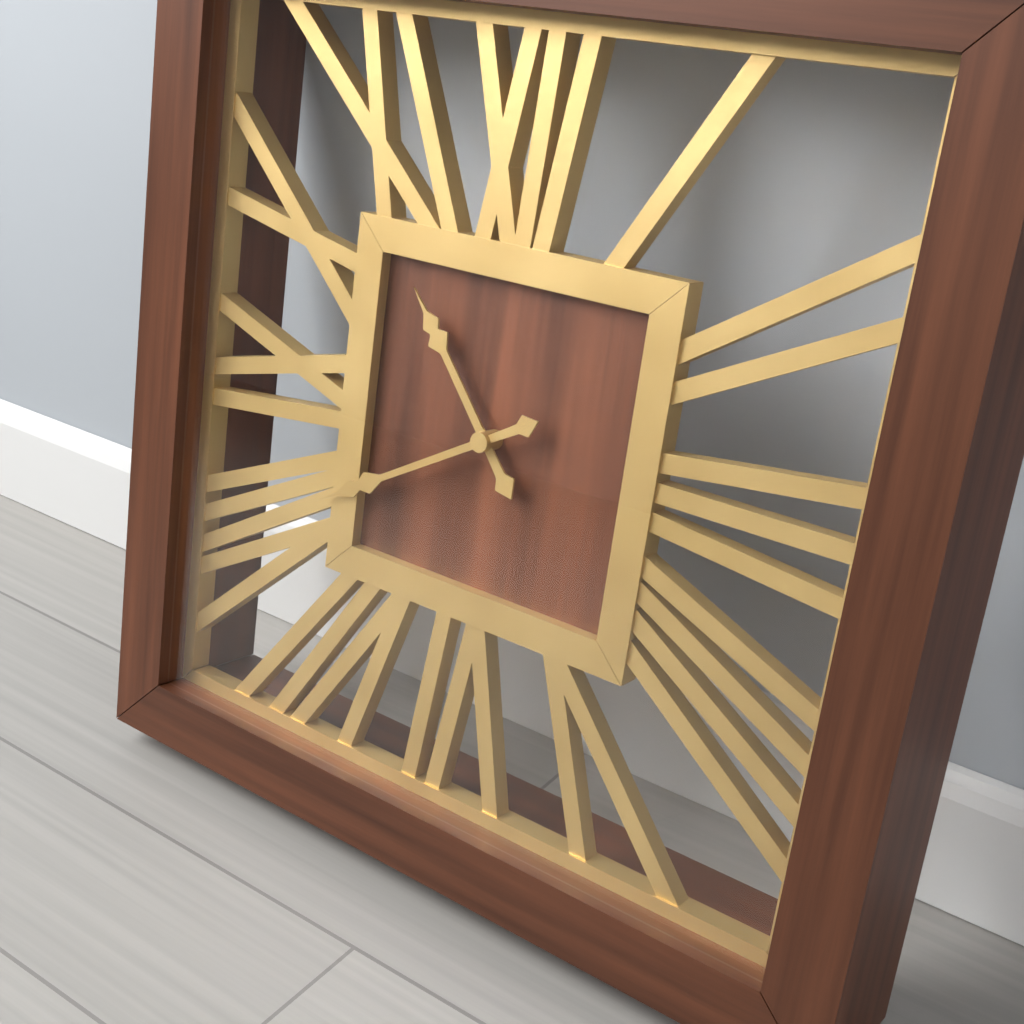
10h40
